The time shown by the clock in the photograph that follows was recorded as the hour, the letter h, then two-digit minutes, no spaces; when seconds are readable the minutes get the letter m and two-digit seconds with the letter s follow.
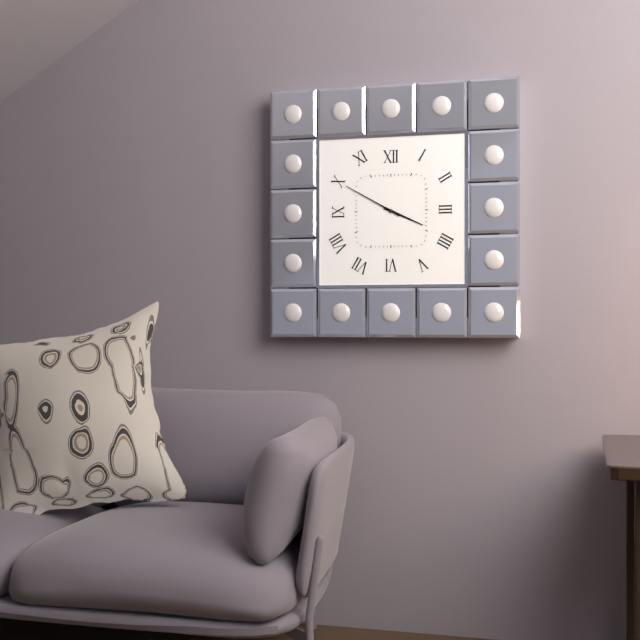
3h50
